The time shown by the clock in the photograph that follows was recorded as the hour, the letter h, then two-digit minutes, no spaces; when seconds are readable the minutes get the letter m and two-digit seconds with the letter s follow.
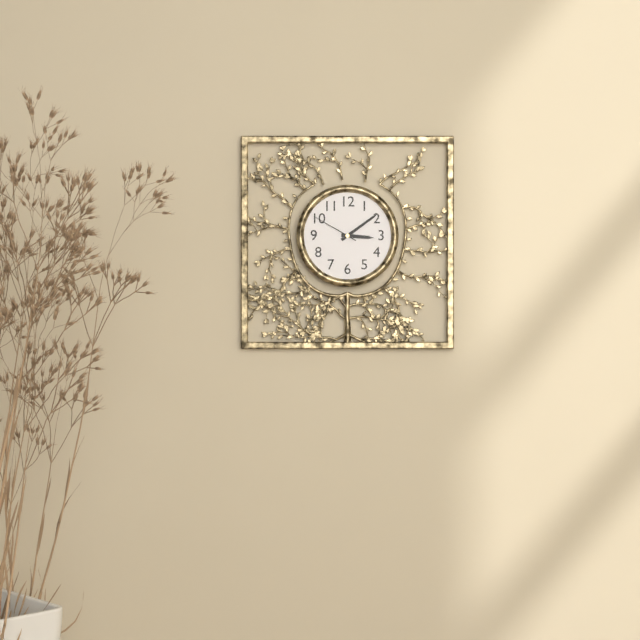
3h09
